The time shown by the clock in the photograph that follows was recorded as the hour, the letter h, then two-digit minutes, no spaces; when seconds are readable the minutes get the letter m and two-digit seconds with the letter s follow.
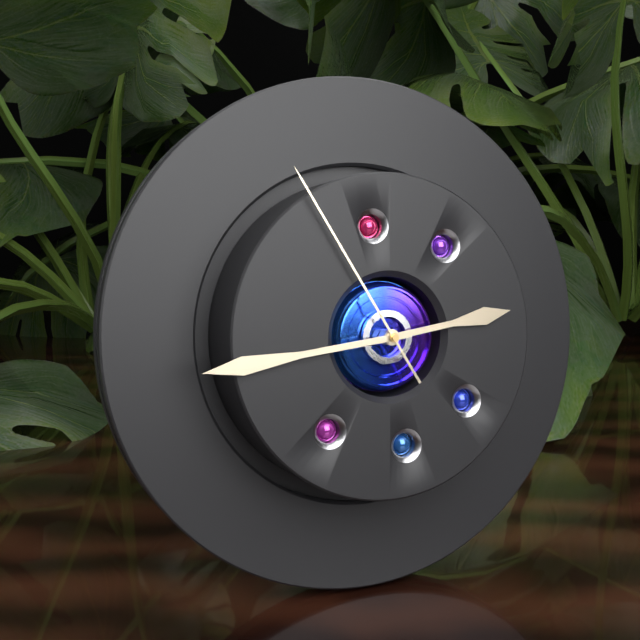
2h44m55s
